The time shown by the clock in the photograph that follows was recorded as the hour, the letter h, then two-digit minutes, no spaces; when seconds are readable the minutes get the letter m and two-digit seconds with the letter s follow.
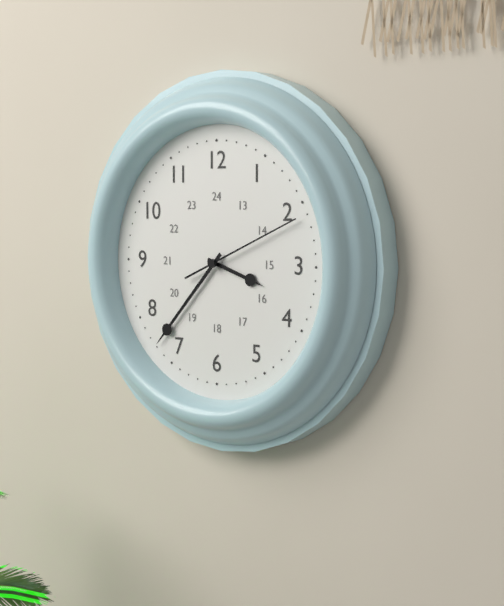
3h37m11s
